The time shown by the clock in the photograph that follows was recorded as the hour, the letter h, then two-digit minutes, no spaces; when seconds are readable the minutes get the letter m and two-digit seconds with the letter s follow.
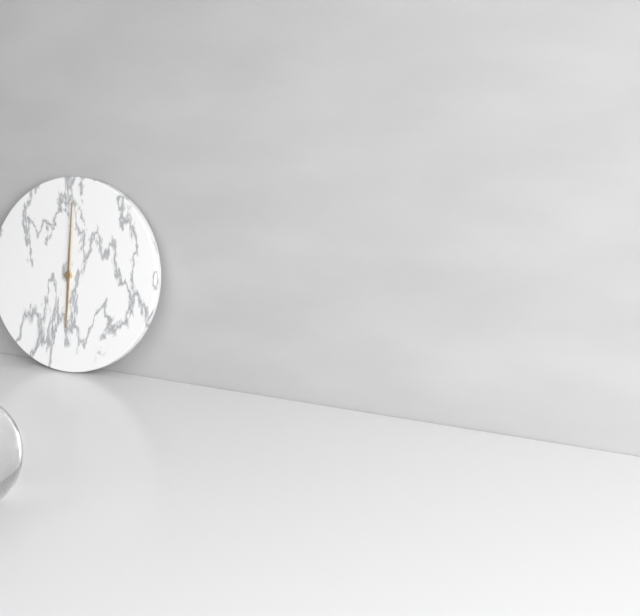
6h00
